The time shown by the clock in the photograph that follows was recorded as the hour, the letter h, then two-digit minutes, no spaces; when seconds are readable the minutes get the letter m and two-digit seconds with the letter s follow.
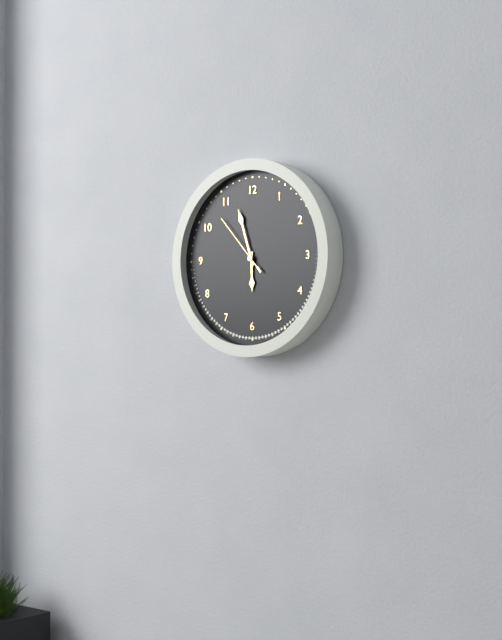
5h57m53s
